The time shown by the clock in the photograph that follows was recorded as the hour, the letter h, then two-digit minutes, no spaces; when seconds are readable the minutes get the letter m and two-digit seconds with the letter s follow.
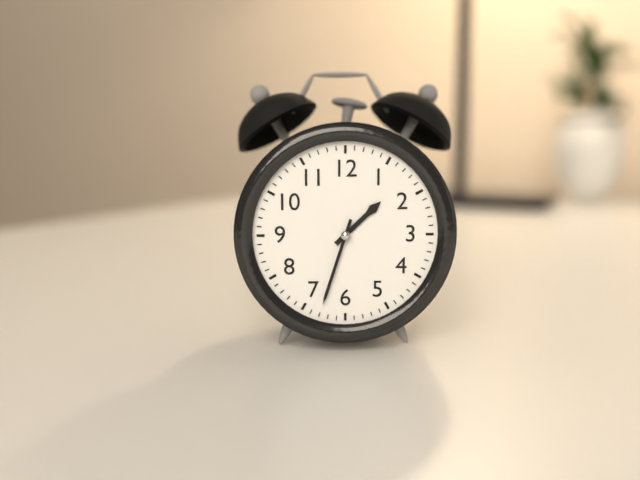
1h33
